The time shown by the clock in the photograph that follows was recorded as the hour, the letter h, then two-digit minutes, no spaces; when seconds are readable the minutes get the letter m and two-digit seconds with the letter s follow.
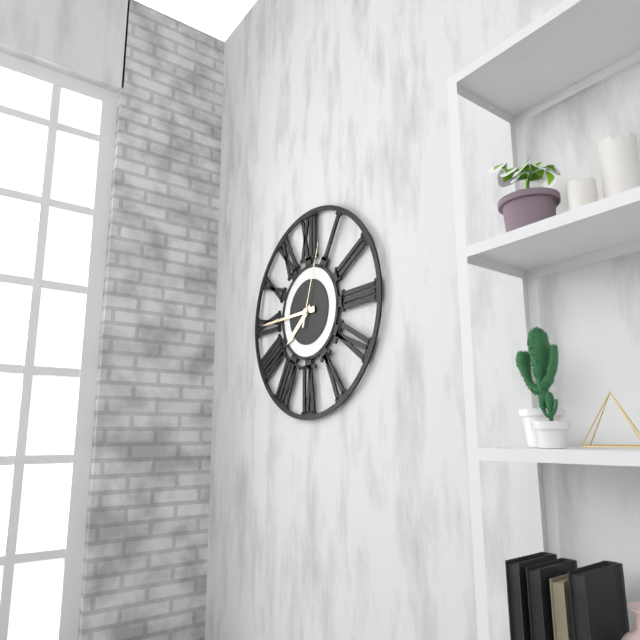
7h45m03s
